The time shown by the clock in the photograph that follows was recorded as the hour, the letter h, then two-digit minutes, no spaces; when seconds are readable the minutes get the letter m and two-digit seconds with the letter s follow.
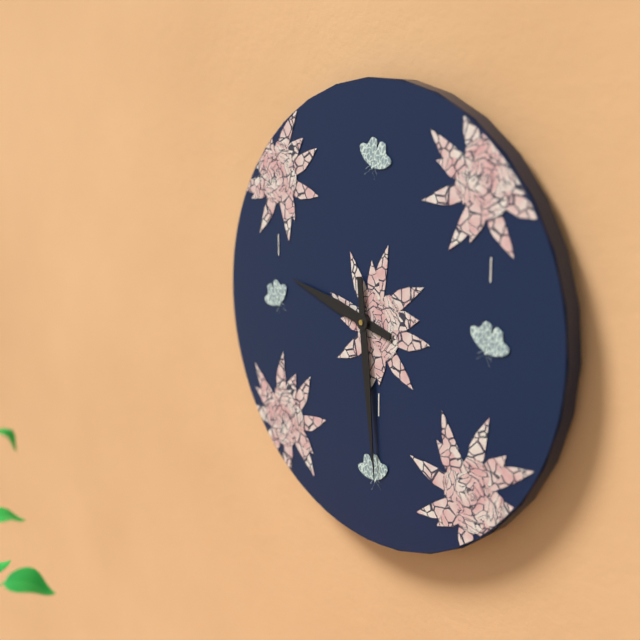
9h29
